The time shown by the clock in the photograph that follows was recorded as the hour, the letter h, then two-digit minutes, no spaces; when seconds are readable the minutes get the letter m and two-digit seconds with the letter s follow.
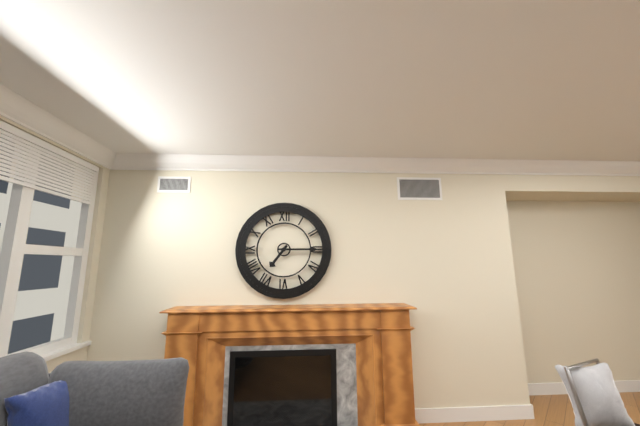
7h15
